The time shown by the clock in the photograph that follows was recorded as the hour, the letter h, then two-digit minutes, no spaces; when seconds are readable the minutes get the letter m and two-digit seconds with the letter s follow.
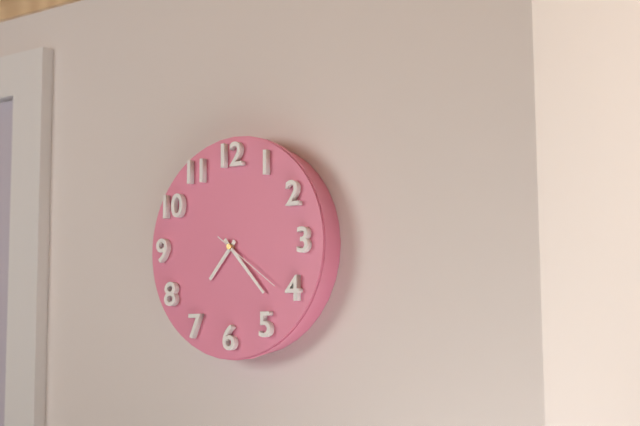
7h23m21s
